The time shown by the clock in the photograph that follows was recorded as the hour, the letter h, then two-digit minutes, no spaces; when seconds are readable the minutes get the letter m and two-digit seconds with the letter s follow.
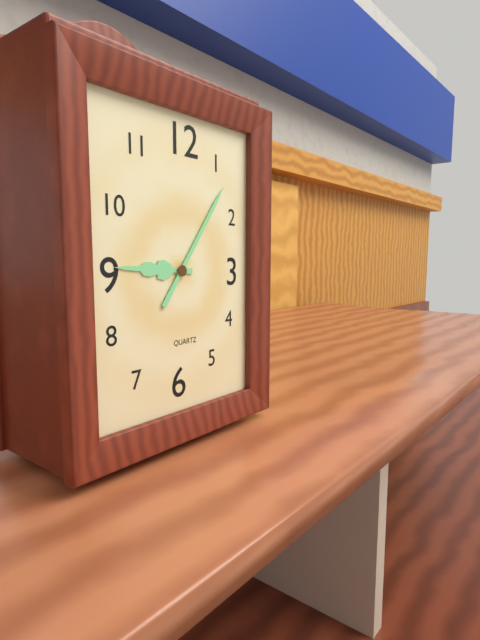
9h06
